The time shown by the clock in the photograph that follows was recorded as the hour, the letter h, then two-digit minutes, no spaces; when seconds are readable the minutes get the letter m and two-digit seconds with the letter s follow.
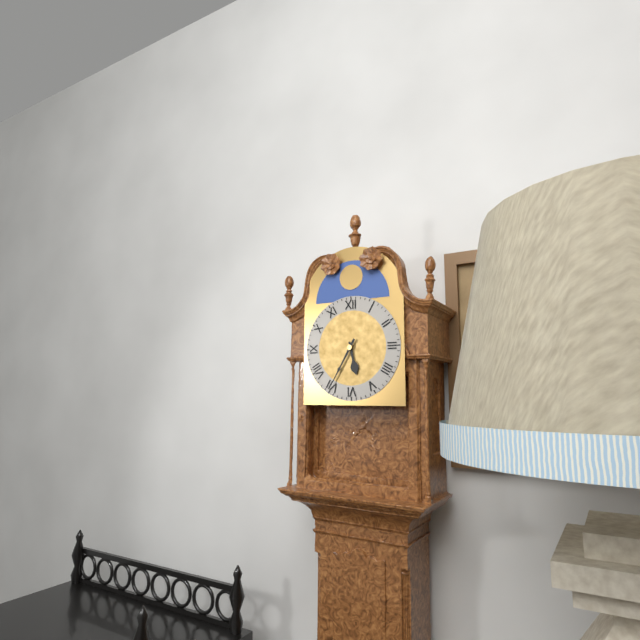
5h35
